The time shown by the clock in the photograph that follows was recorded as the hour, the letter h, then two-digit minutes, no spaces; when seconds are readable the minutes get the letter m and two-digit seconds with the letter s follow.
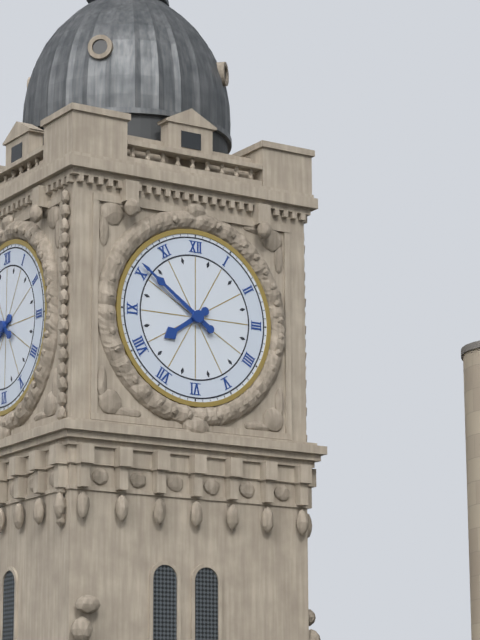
7h51
